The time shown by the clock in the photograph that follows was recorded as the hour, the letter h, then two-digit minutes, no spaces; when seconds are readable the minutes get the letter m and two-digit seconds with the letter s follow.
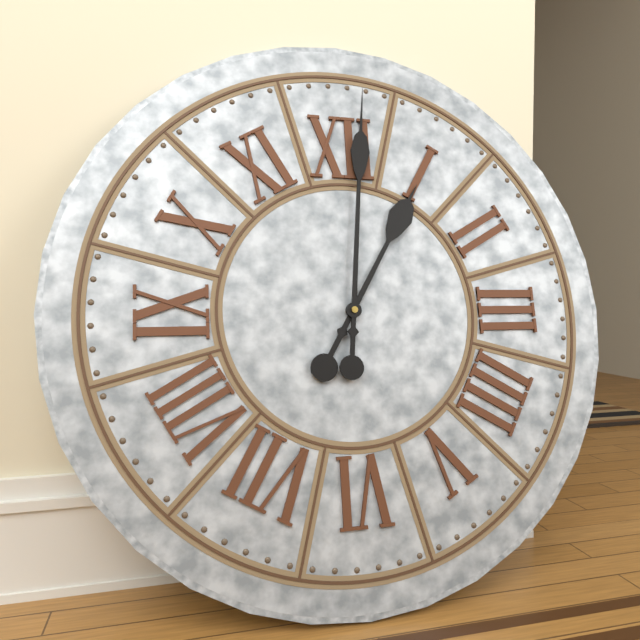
1h01
